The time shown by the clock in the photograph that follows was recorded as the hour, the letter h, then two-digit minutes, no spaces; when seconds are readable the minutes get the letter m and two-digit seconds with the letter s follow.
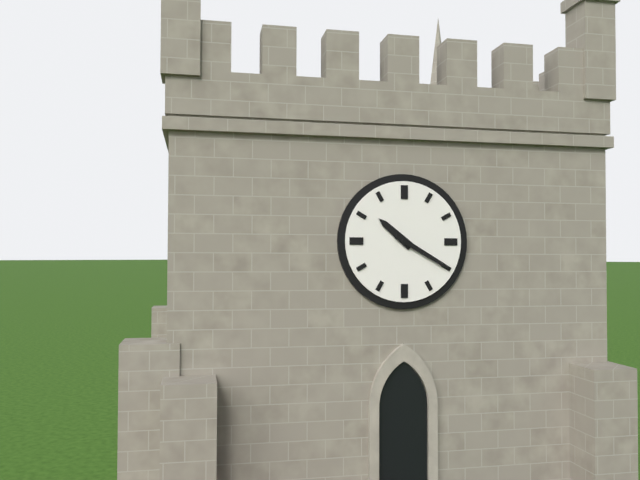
10h20
